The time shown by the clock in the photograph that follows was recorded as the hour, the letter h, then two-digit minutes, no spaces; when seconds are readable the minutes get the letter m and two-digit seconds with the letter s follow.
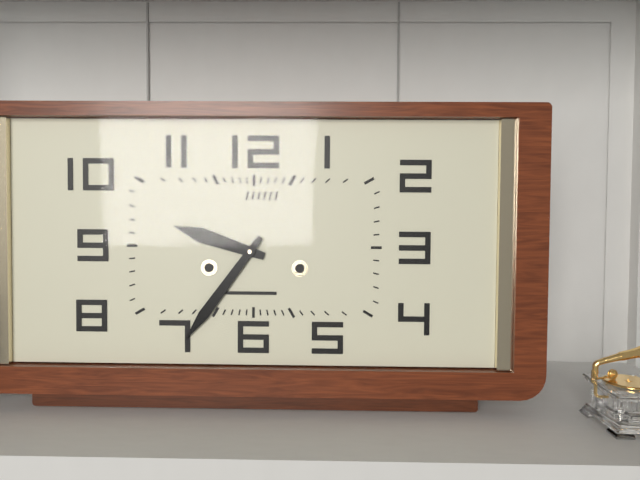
9h36
